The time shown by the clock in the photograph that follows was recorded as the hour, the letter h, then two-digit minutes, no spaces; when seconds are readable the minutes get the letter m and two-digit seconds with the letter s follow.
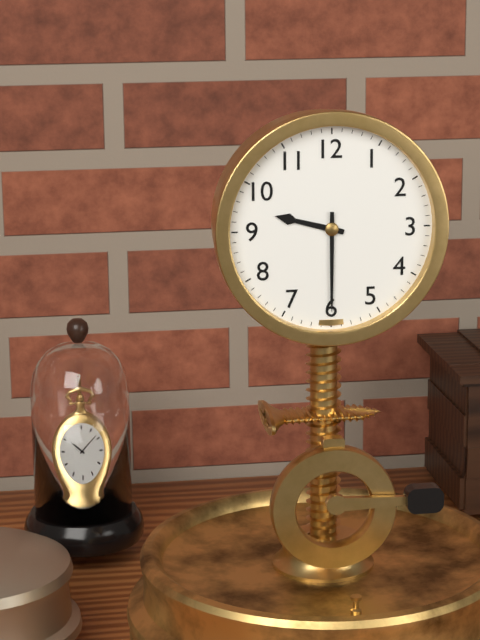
9h30
